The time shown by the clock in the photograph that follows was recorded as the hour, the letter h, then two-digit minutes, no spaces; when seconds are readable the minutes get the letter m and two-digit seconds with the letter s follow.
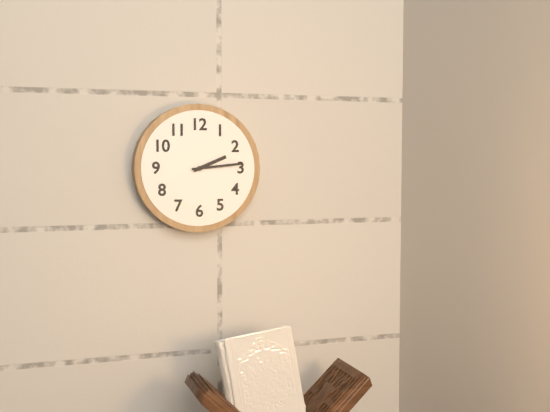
2h14
